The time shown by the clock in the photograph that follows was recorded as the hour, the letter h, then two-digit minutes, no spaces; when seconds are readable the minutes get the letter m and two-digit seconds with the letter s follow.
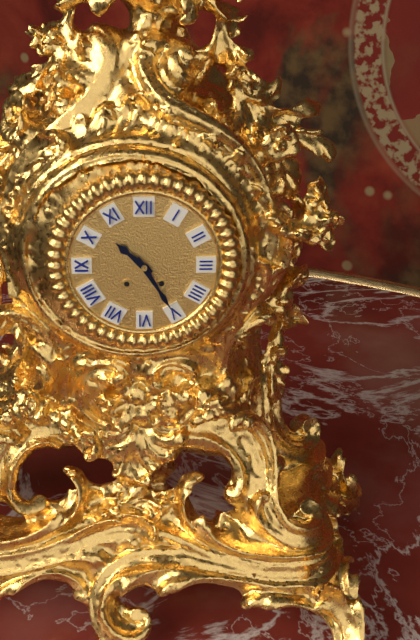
10h25
